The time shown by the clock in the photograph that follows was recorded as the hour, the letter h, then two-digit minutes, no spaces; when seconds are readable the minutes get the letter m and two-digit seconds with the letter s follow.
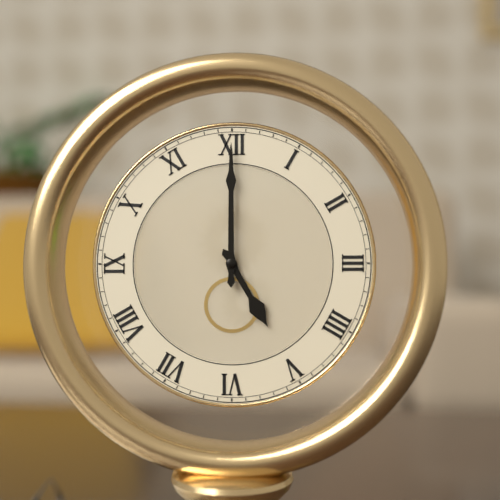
5h00
